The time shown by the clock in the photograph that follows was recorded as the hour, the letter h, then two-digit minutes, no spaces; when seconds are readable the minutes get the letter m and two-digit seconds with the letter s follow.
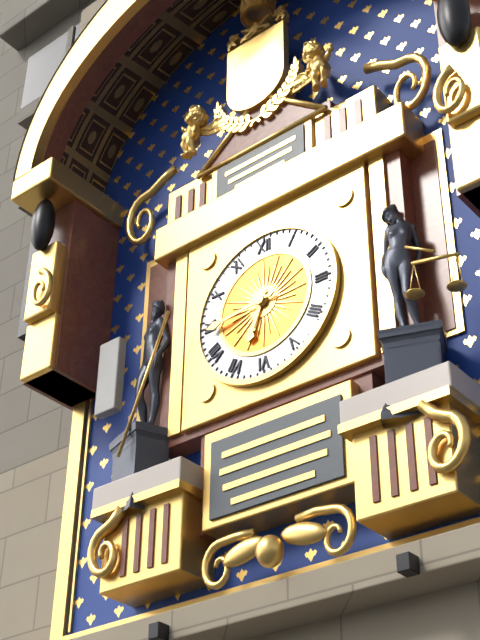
6h44
